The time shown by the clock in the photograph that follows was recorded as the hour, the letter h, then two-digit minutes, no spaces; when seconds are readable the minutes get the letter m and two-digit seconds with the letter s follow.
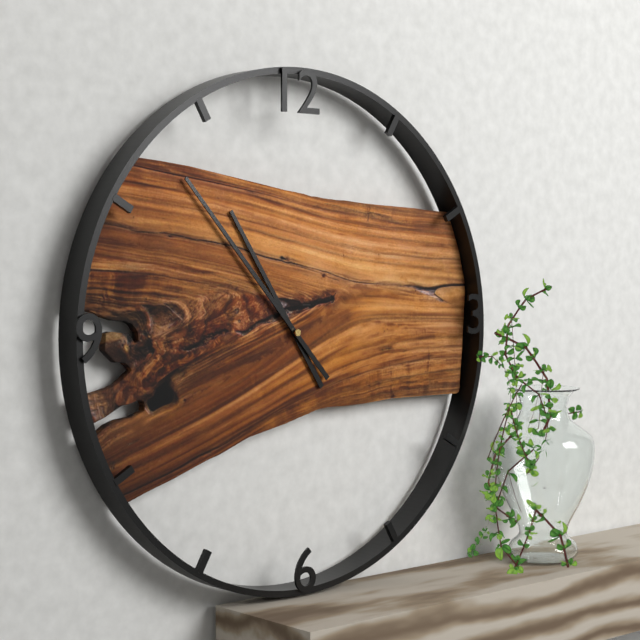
10h53
